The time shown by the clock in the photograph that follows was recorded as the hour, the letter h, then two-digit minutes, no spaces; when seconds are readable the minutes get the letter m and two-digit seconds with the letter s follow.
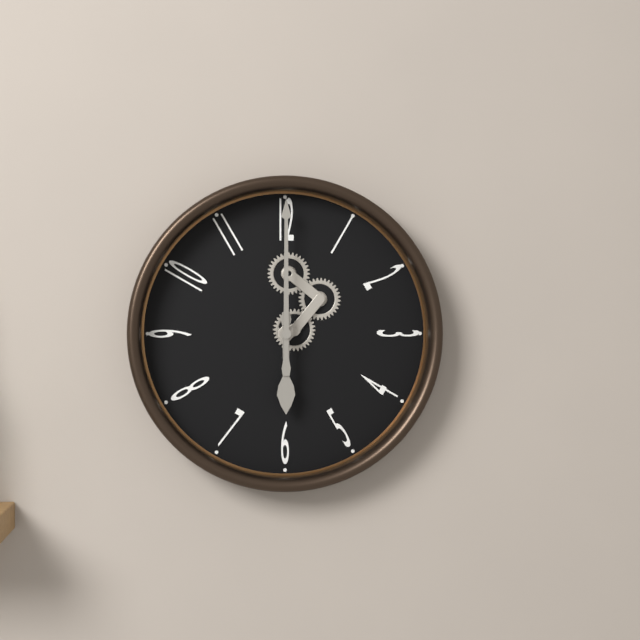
6h00
